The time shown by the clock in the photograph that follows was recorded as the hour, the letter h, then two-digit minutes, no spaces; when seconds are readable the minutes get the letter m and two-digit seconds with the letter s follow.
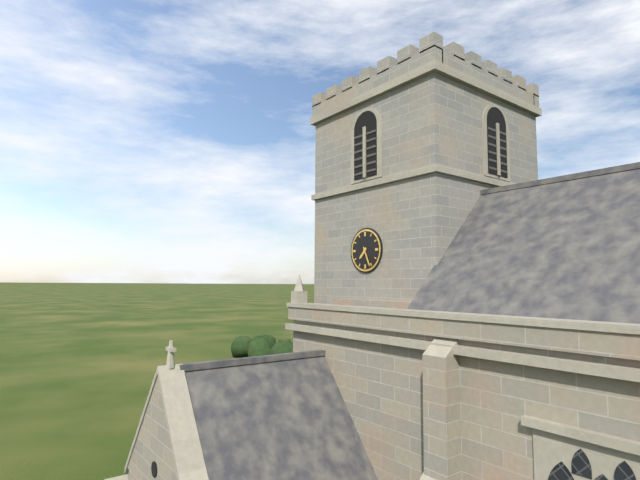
7h26
